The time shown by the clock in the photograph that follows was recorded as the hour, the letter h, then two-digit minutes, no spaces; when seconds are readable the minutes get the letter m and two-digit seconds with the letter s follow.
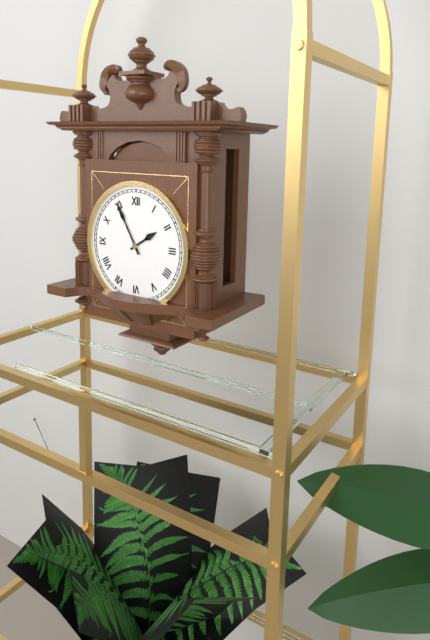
1h55
